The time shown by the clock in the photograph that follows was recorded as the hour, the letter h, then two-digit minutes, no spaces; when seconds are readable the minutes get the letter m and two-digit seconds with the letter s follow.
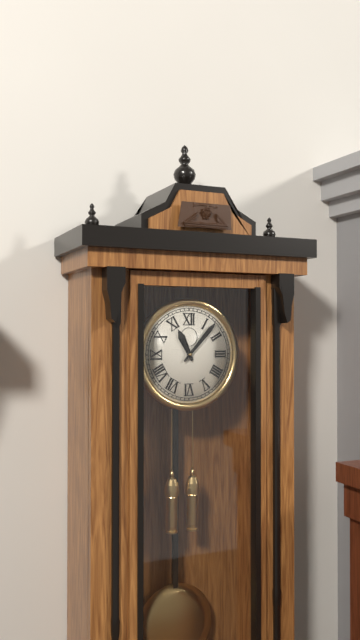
11h07
